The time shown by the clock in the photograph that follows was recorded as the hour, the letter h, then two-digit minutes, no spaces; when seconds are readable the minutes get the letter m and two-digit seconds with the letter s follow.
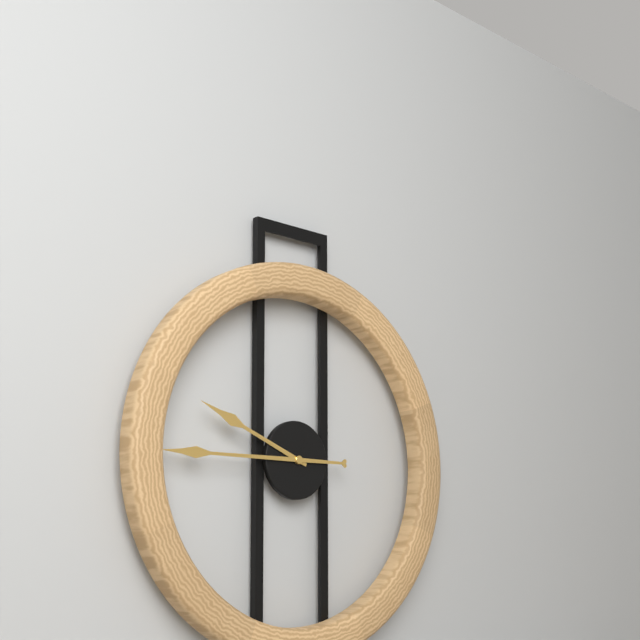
9h45
